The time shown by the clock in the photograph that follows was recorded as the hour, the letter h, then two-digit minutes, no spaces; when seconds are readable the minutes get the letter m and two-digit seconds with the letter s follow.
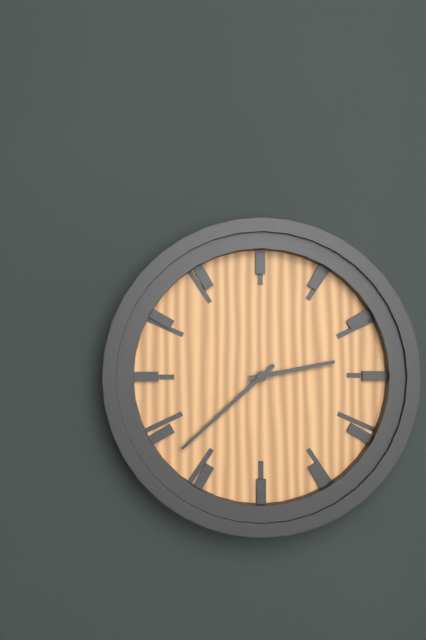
2h38
